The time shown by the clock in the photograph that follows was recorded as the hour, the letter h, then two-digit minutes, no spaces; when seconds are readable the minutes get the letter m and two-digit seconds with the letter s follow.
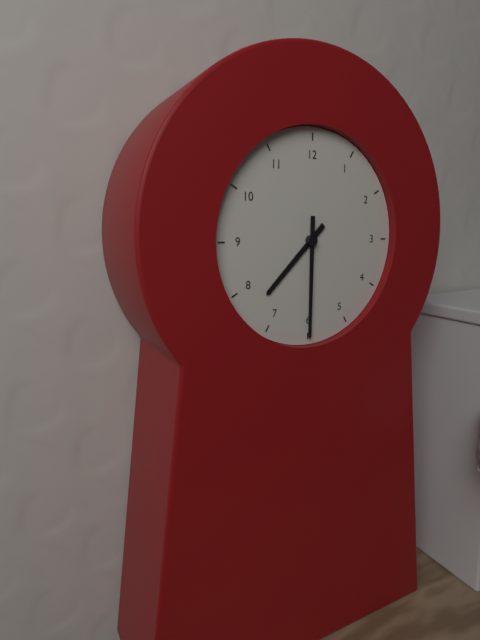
7h30
